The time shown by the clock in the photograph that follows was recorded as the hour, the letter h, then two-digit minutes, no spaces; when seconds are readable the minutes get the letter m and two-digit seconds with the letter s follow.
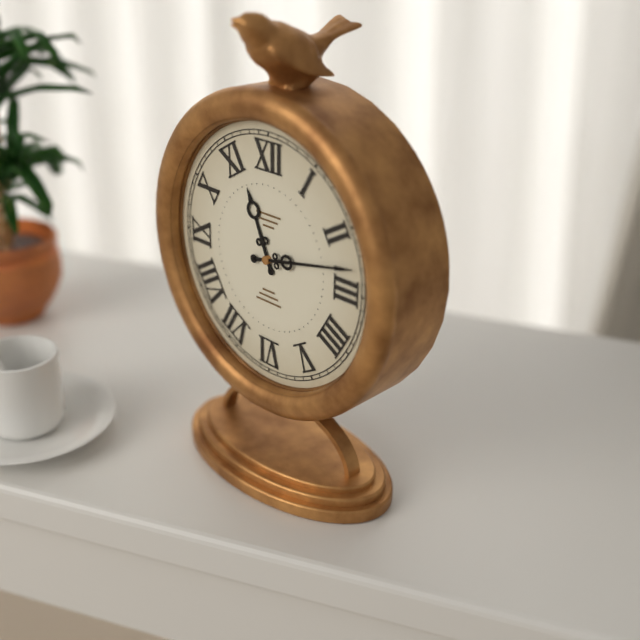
11h13
